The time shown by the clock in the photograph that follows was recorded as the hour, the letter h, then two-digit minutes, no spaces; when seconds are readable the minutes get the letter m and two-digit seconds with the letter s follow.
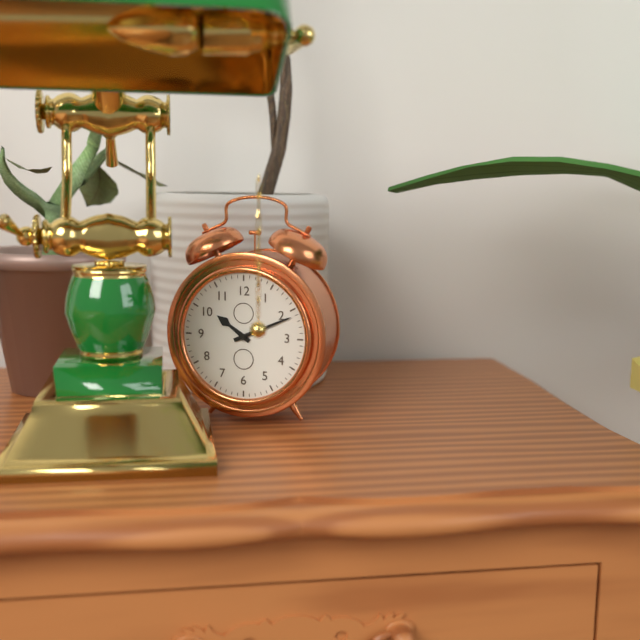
10h11
